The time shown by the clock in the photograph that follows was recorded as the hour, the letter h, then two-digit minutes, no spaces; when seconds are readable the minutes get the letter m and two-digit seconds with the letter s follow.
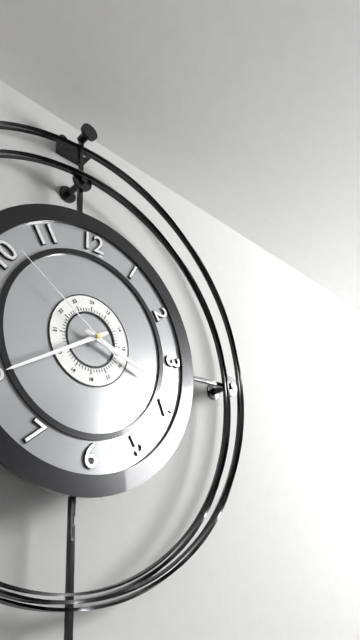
3h40m51s
